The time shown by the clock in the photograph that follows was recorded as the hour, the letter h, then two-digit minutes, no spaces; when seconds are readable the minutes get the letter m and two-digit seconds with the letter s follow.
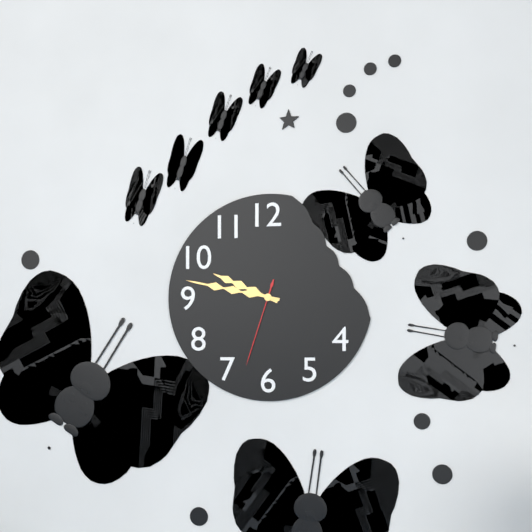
9h47m33s
